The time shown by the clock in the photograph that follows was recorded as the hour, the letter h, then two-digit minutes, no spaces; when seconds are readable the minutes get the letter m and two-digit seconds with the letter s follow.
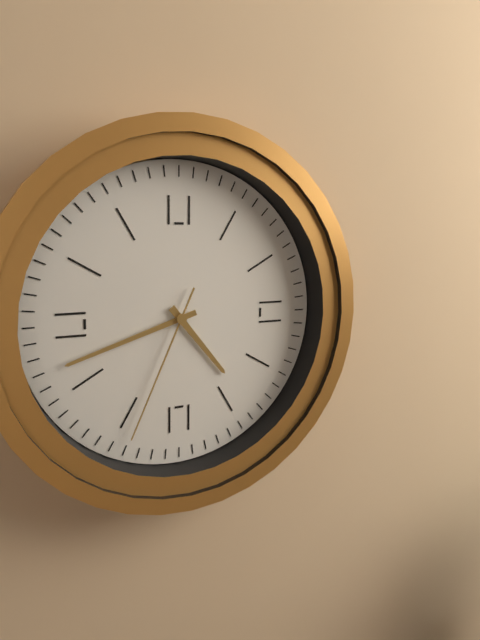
4h42m34s
